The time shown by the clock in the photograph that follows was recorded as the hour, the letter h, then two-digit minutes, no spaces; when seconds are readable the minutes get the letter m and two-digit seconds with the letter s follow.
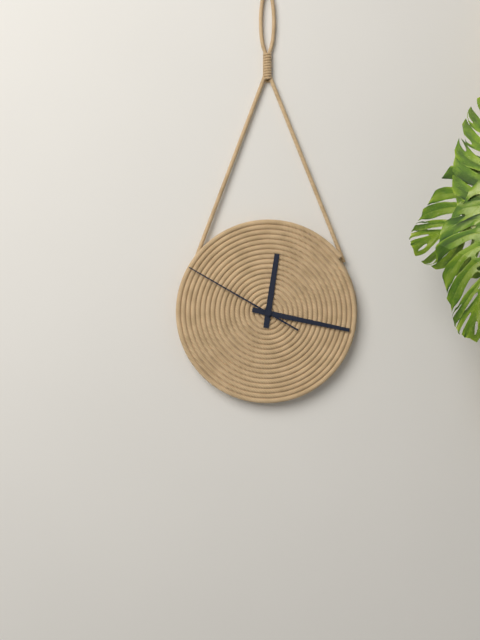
12h17m50s
